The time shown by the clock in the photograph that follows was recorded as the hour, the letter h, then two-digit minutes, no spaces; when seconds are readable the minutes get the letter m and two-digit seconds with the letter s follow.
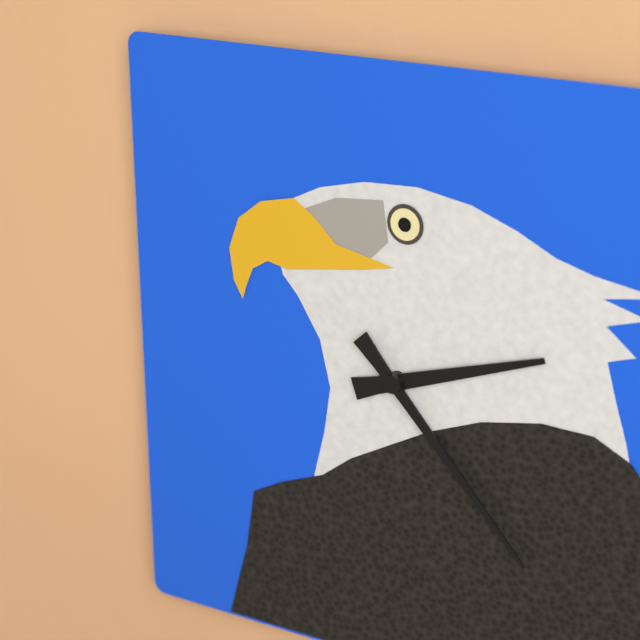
2h23
